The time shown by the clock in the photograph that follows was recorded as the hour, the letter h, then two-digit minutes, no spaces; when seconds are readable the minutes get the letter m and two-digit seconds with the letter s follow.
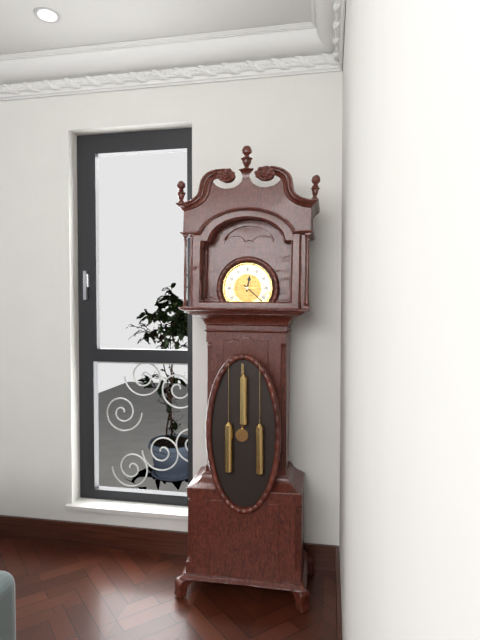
12h22
